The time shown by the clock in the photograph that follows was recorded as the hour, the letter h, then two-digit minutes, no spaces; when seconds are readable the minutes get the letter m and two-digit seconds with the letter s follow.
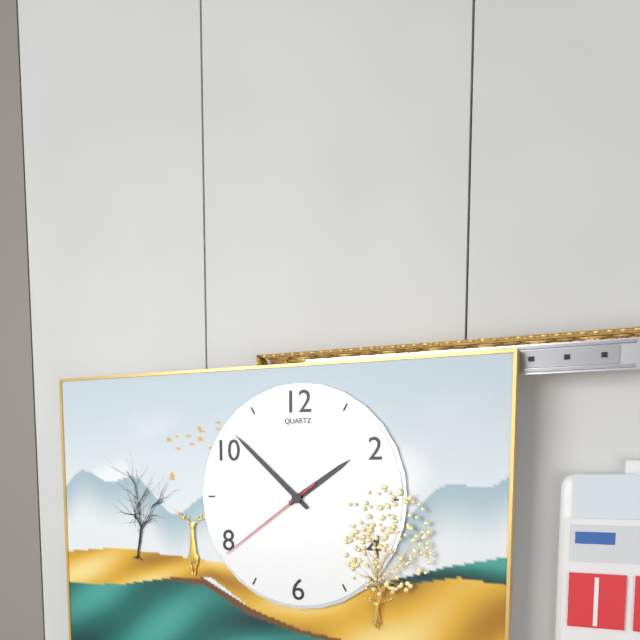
1h52m39s
